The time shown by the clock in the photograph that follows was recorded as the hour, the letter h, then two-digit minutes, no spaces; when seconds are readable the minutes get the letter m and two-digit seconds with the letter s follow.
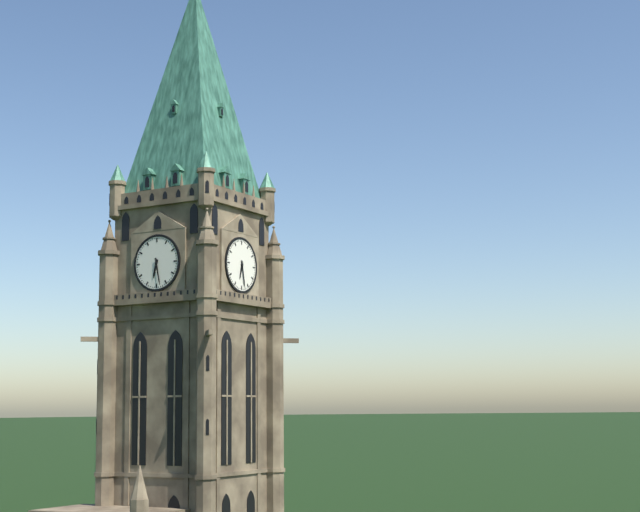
6h28
